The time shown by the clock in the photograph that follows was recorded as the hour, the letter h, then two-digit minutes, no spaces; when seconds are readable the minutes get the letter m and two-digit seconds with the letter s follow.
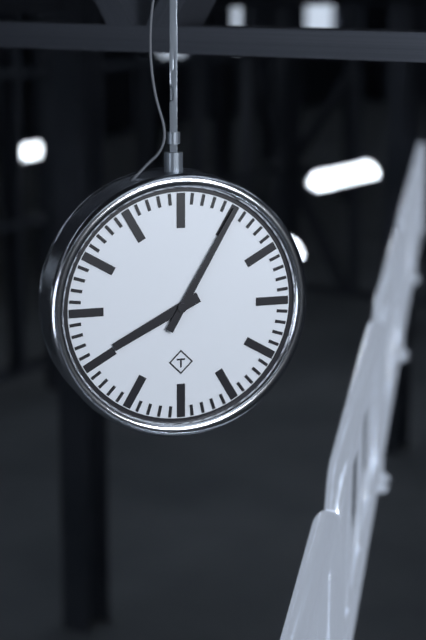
8h05
